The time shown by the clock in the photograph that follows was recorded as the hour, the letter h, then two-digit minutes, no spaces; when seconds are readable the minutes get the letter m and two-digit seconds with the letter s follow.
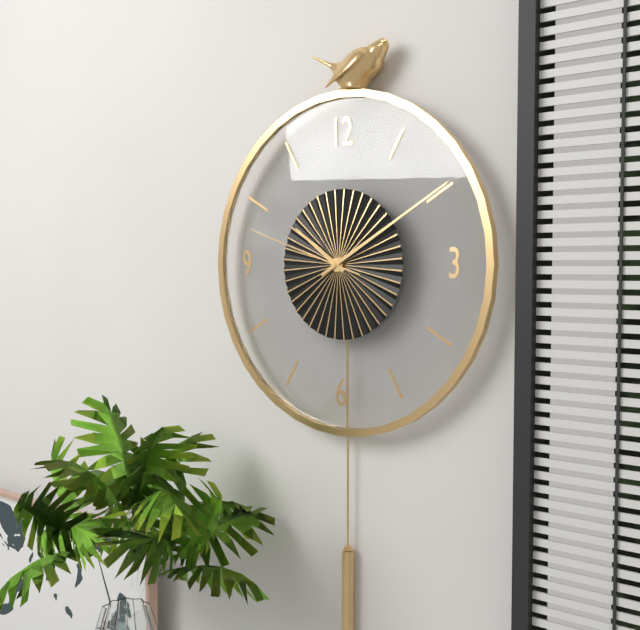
10h10m48s
